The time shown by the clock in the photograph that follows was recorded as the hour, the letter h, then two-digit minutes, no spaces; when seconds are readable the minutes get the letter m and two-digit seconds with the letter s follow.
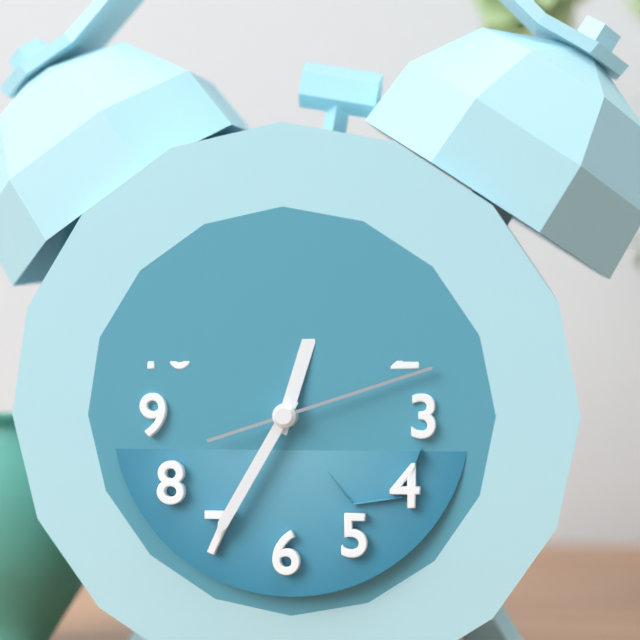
12h35m12s
